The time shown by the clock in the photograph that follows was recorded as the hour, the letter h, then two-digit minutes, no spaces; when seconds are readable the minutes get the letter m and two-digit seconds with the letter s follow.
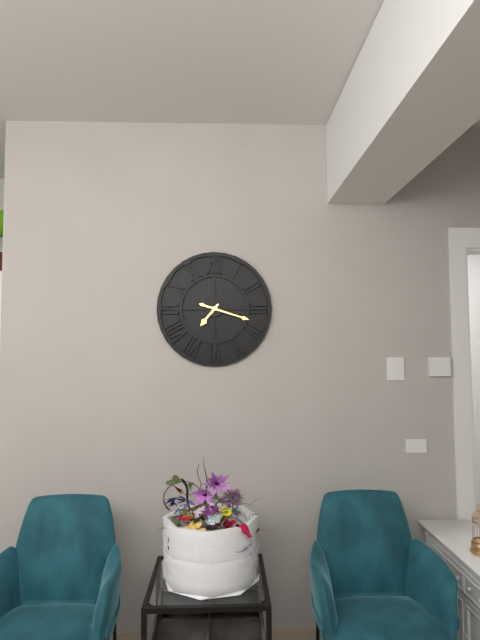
7h18
